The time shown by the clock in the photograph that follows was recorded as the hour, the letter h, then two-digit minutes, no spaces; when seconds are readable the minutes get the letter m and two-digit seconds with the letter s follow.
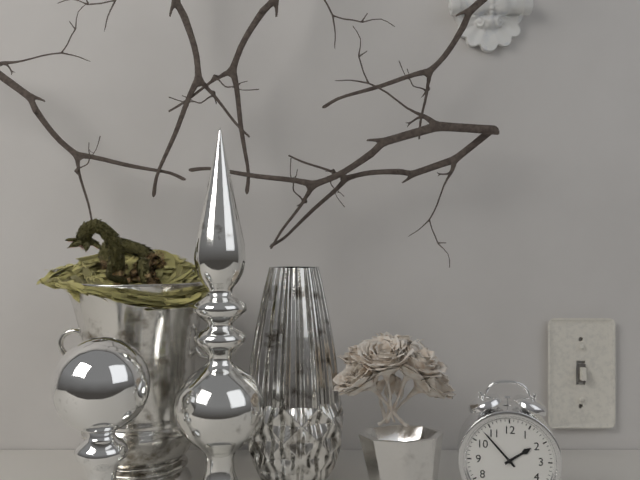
1h53
